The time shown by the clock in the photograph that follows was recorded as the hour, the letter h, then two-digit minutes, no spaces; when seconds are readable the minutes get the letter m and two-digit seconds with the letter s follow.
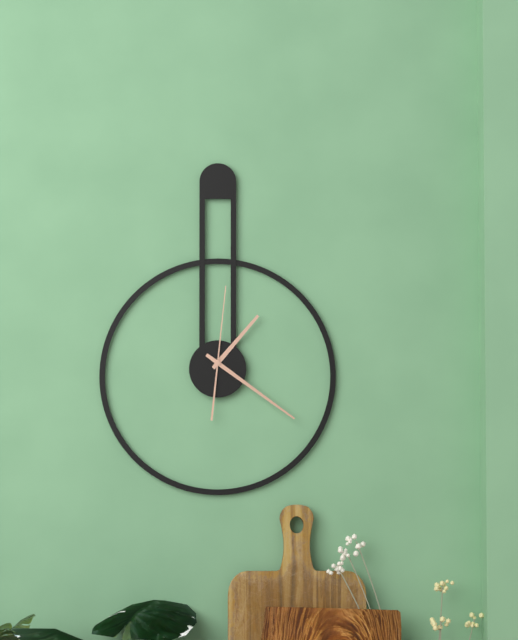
1h21m01s
